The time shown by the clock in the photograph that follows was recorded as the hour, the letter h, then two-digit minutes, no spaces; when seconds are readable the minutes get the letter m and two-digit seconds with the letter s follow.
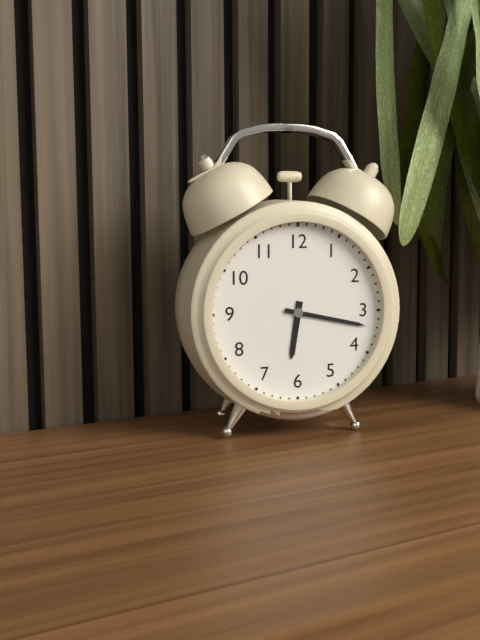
6h17
